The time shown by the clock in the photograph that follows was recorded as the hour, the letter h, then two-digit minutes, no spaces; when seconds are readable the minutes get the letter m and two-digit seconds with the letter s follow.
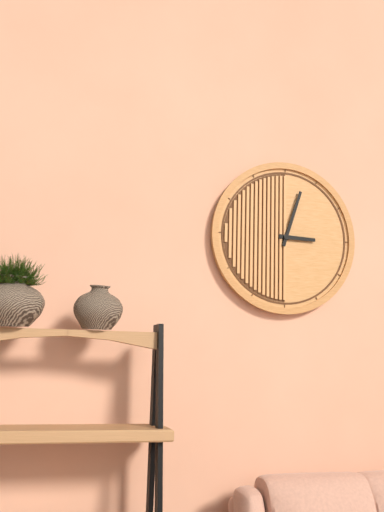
3h03
